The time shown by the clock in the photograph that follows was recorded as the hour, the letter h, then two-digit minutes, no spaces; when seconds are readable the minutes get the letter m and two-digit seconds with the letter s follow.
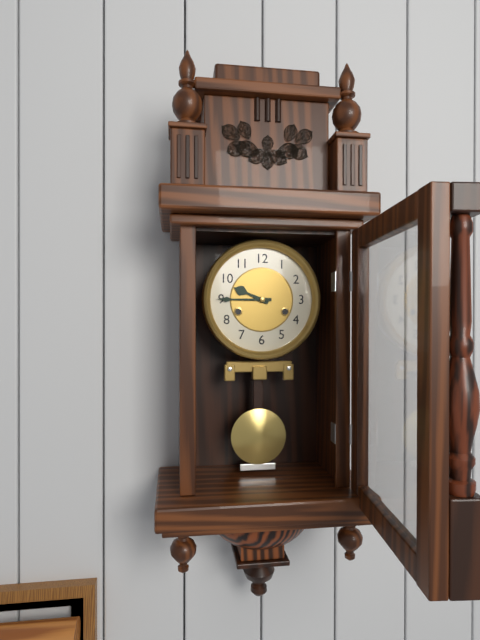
9h45
